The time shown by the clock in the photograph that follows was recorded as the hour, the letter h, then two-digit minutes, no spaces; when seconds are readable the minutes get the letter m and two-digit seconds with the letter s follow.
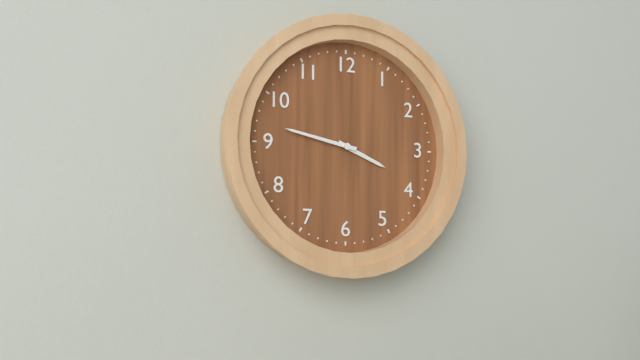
3h47
